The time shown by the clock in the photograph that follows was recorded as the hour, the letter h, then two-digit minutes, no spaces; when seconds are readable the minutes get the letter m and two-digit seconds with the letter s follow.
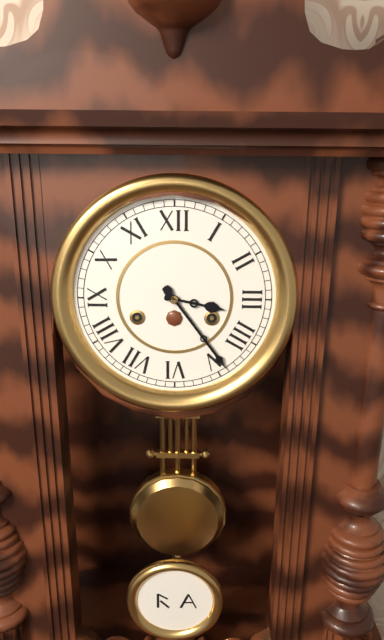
3h24
